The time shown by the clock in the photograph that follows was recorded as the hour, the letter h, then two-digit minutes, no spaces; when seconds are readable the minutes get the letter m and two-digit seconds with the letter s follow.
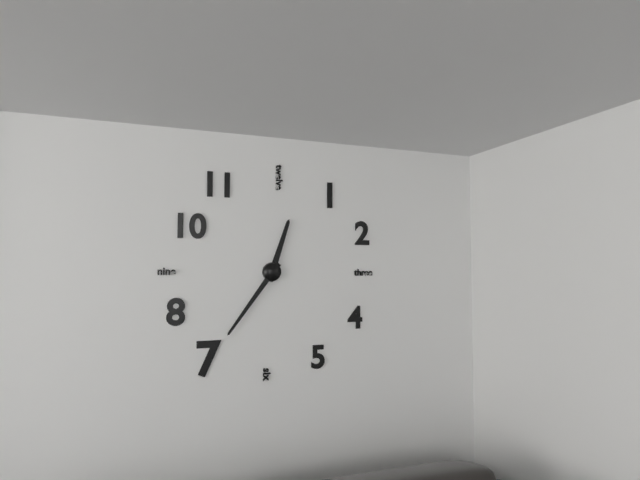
12h36
